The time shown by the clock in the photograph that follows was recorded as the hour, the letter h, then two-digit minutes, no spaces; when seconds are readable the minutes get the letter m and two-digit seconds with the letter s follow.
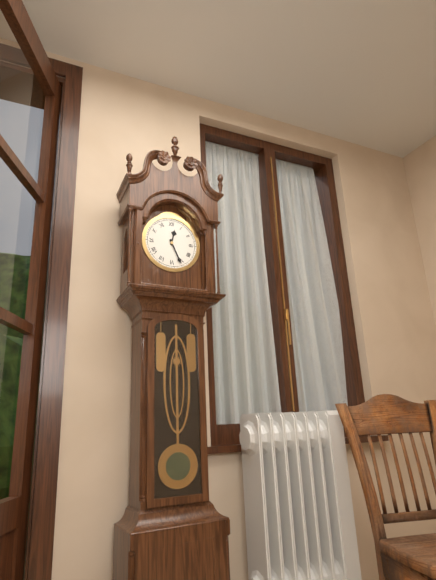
12h26
